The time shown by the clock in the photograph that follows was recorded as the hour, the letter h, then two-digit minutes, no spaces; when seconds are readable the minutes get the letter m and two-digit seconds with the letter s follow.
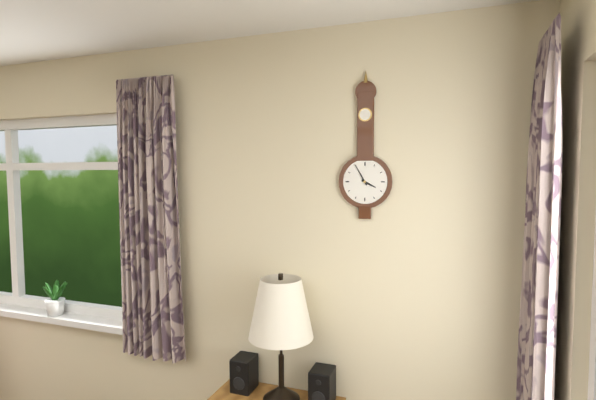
3h55
